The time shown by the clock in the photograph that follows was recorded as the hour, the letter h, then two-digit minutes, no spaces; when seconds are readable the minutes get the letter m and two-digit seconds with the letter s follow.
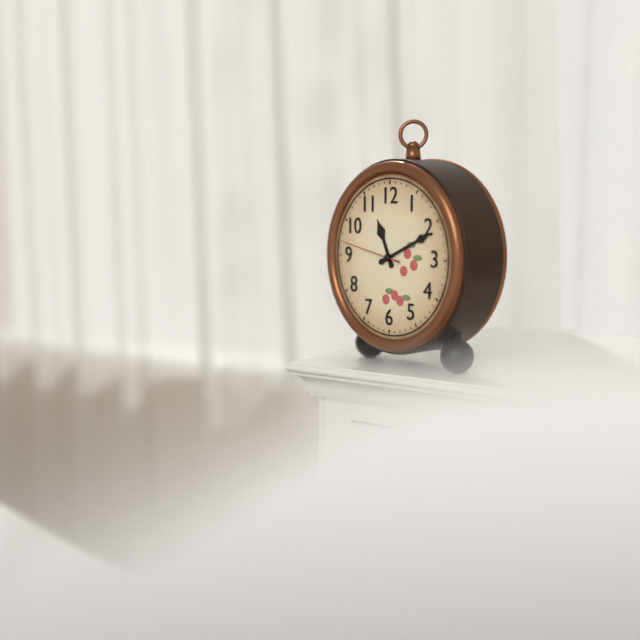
11h11m47s
